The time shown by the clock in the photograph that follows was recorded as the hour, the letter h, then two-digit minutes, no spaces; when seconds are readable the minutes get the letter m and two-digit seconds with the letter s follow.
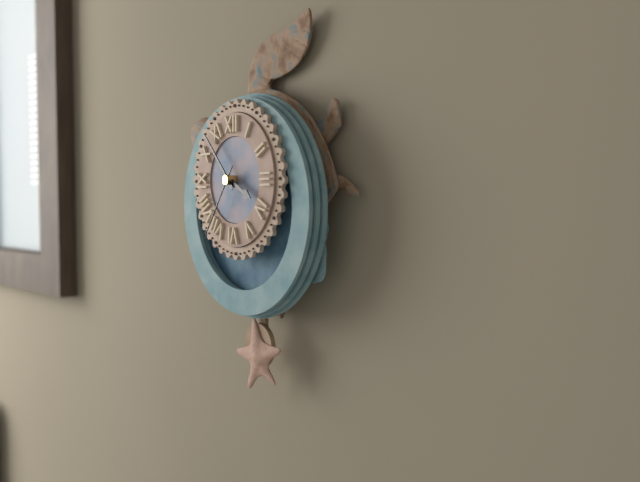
3h53m36s
